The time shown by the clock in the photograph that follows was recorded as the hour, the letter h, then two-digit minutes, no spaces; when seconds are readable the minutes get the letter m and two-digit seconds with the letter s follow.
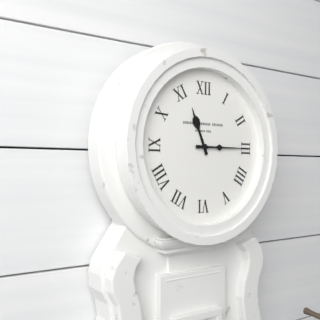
11h15
